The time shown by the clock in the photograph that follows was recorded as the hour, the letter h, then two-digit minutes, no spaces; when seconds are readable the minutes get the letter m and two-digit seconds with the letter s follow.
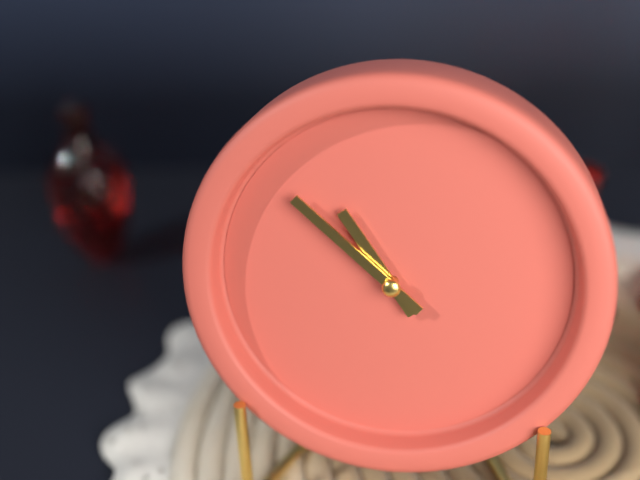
10h52
